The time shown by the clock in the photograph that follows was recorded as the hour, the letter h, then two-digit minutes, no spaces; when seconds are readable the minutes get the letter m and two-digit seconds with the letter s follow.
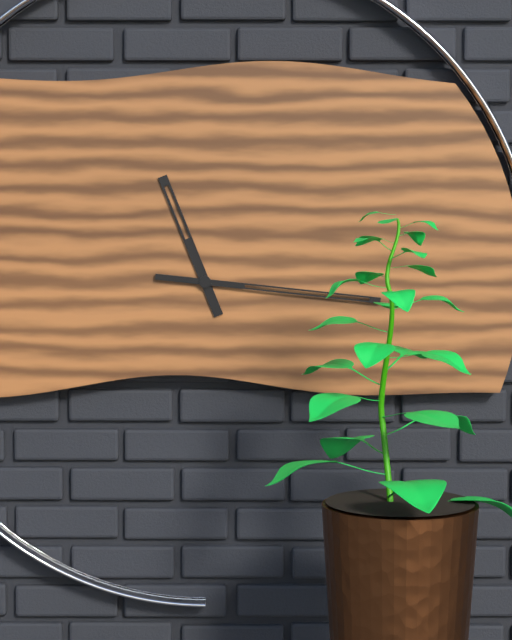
11h16
